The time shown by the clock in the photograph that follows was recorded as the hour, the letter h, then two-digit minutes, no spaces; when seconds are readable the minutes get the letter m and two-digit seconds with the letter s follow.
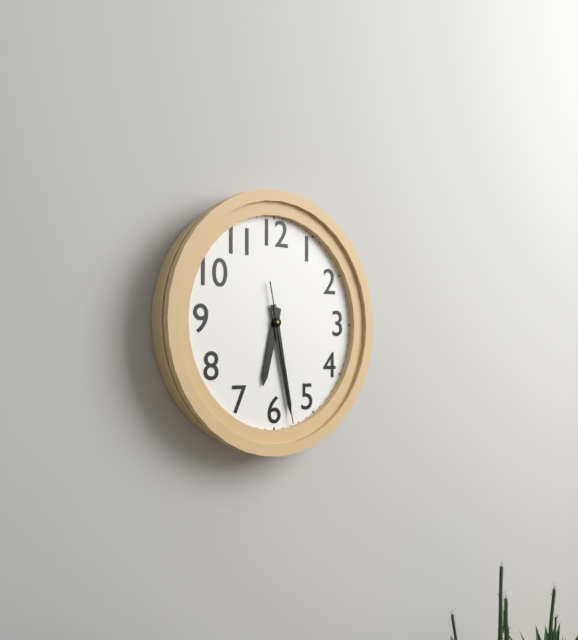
6h28m28s
